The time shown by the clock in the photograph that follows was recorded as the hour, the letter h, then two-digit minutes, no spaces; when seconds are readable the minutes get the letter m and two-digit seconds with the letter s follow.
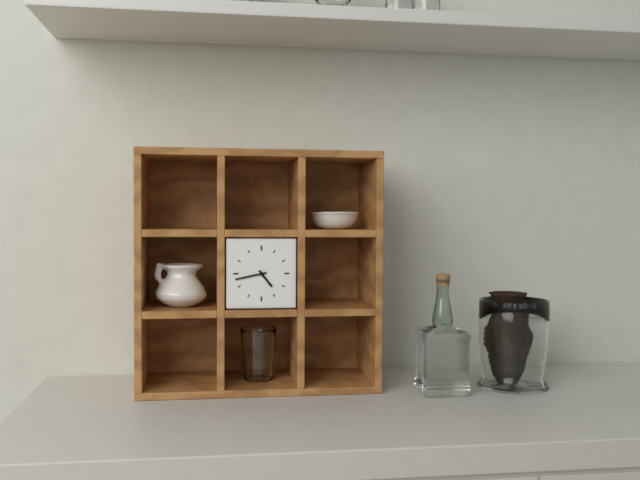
4h43
